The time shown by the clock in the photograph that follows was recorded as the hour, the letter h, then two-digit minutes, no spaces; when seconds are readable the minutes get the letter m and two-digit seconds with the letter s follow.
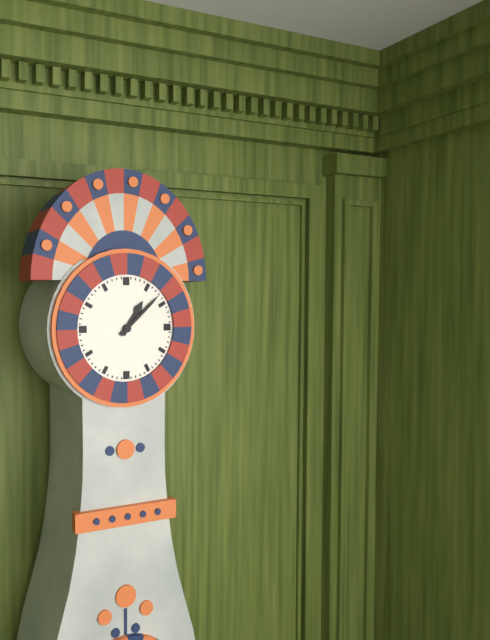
1h08
